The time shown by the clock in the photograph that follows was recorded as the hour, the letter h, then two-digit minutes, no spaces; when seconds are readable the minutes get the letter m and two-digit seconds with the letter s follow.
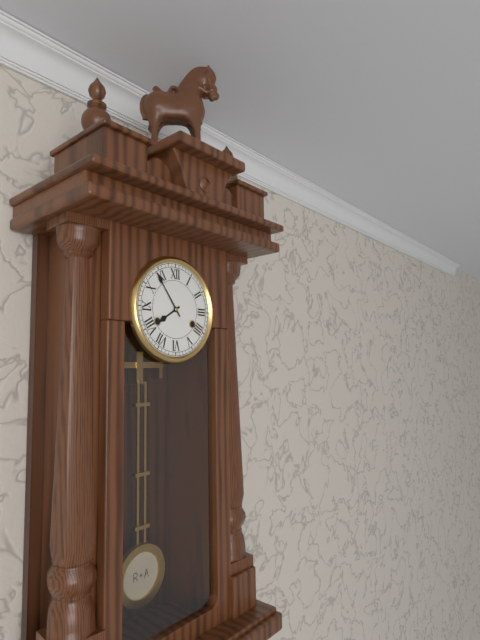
7h54
